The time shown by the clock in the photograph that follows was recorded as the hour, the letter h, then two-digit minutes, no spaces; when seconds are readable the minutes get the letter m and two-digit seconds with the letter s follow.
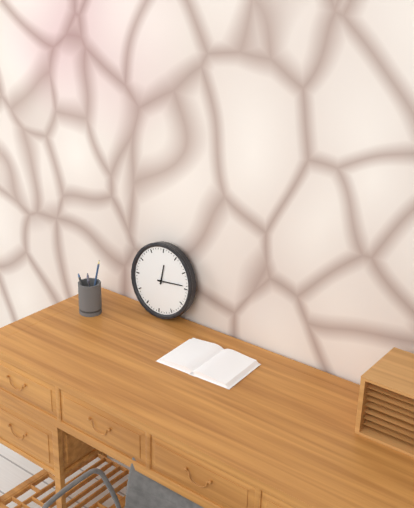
12h14
